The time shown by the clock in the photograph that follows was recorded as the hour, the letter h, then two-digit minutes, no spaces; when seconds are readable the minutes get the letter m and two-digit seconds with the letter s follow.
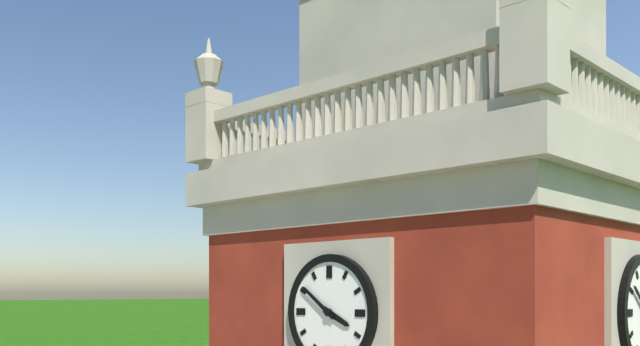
3h51
